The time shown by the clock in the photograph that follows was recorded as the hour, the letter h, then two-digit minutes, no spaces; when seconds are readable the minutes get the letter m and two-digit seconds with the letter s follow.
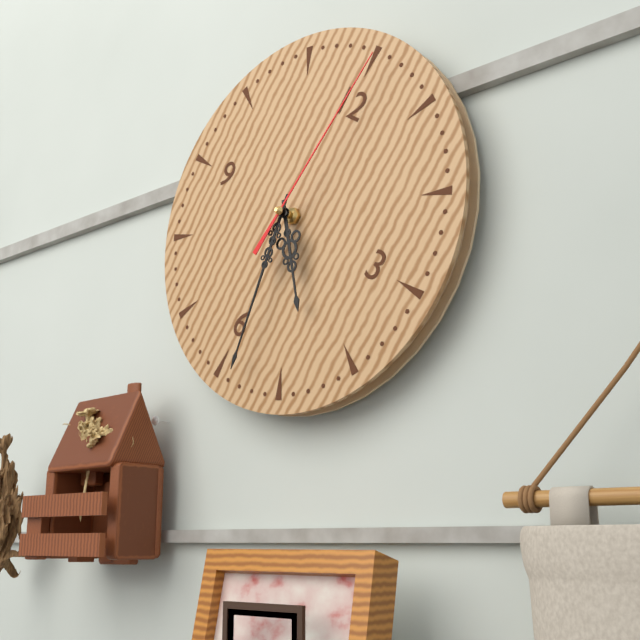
4h28m01s
